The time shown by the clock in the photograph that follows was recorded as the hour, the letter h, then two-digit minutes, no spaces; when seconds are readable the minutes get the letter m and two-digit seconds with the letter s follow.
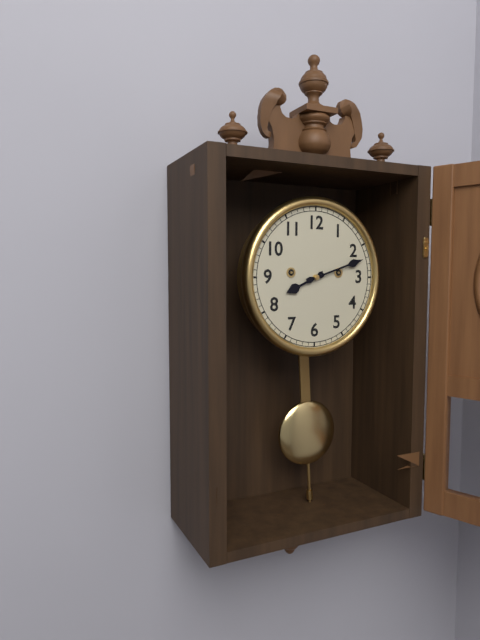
8h12
